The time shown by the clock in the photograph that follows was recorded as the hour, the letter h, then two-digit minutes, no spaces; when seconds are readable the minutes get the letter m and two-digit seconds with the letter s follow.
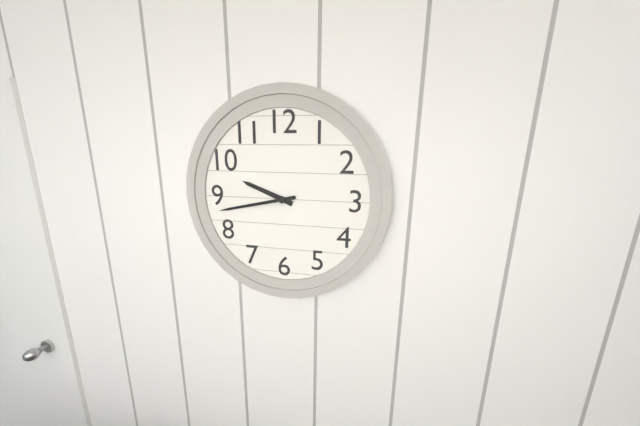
9h43
